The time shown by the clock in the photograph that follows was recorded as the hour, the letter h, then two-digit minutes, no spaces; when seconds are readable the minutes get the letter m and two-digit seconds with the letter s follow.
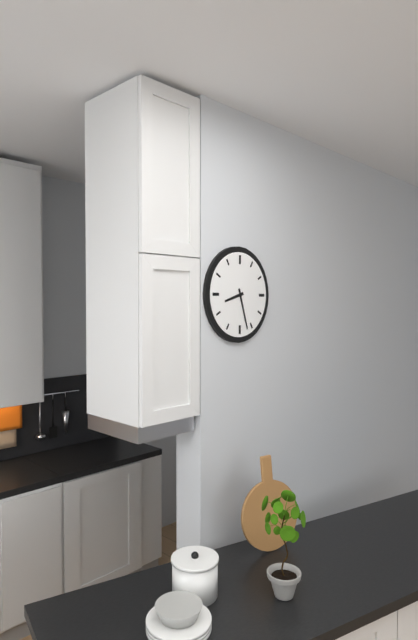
8h27
